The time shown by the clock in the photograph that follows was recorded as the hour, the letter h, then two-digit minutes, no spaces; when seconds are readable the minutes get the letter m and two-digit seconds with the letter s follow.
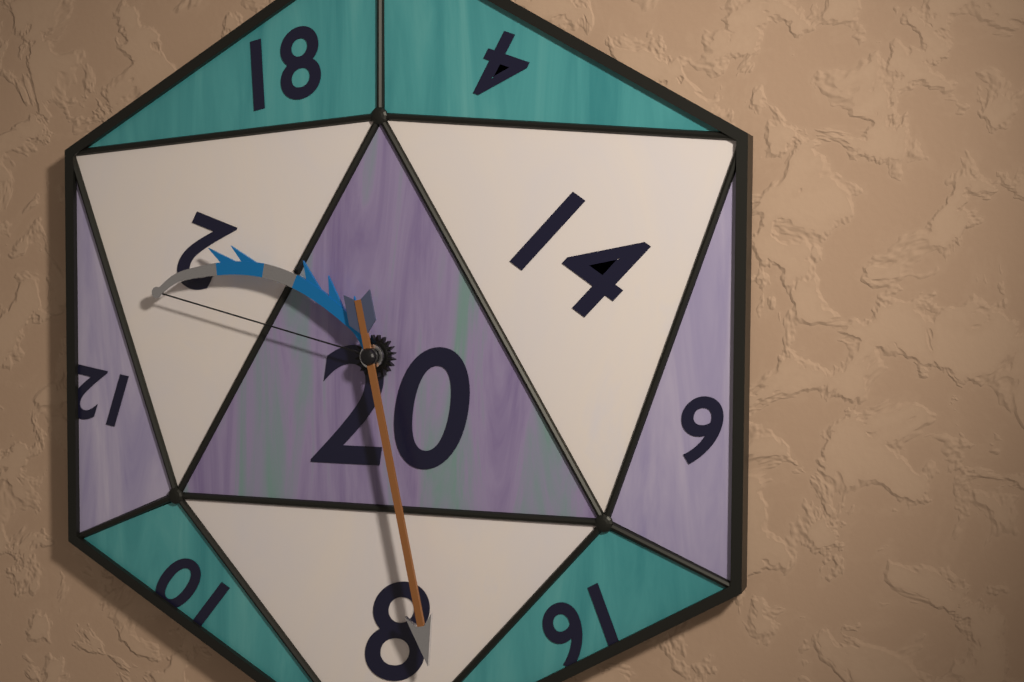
9h28
